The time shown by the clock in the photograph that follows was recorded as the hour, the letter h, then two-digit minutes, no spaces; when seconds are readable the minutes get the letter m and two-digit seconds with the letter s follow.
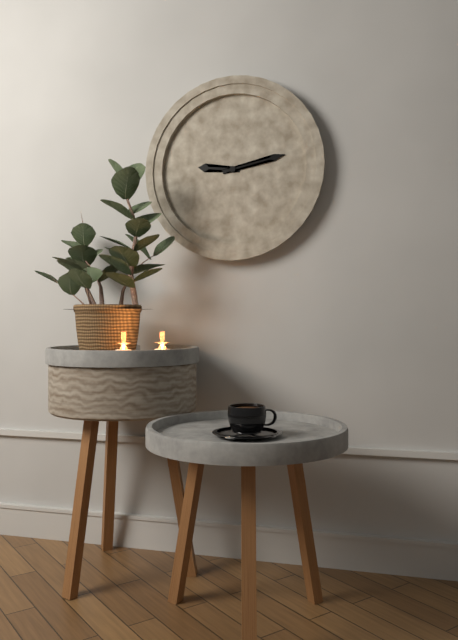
9h13
